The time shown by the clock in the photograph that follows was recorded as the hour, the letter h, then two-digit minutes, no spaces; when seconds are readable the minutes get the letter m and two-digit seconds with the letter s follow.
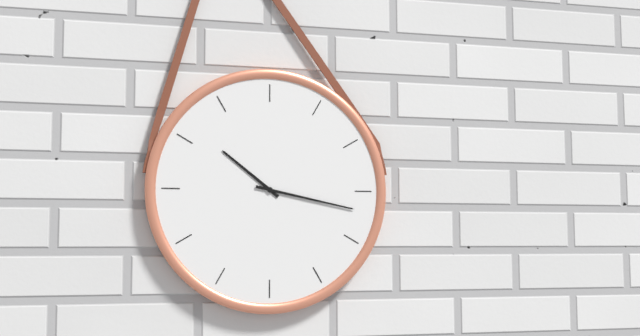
10h17
